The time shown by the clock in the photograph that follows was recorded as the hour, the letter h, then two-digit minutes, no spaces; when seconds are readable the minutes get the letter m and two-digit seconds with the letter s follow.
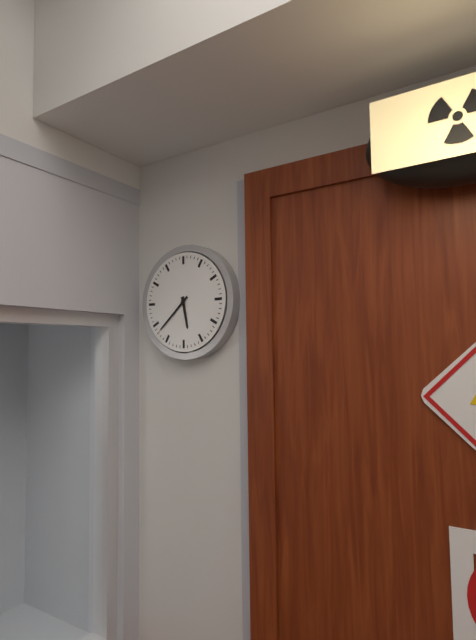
5h38
